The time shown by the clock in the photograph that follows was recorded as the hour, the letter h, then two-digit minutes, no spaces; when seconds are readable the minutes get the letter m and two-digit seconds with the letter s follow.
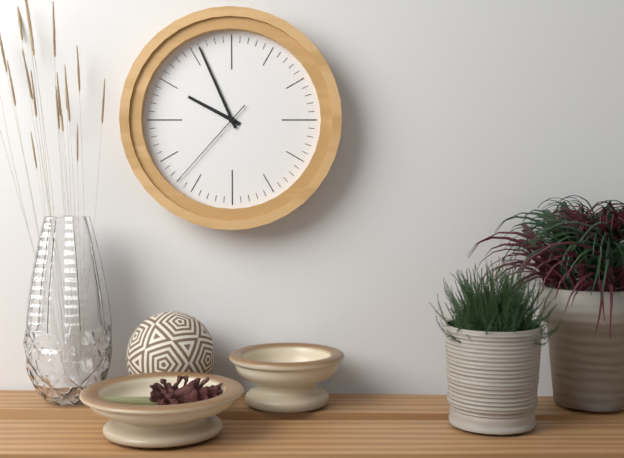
9h56m37s
